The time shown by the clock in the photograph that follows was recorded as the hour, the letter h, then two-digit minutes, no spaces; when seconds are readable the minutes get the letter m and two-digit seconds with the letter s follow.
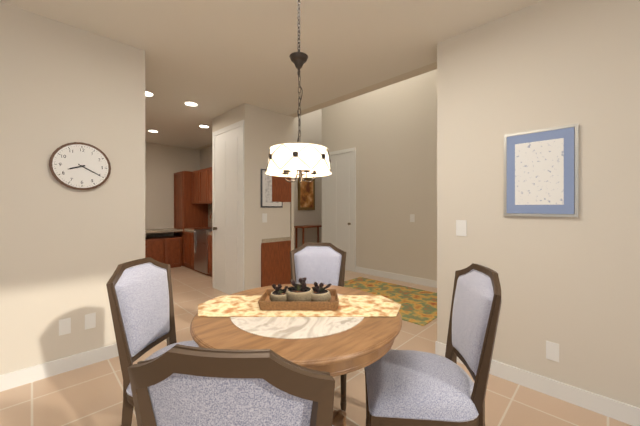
8h20
